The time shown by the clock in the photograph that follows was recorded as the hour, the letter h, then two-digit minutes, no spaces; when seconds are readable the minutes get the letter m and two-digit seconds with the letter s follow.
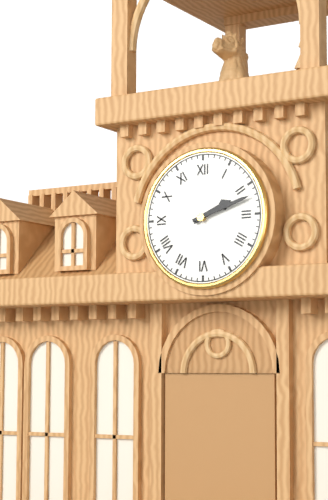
2h12
